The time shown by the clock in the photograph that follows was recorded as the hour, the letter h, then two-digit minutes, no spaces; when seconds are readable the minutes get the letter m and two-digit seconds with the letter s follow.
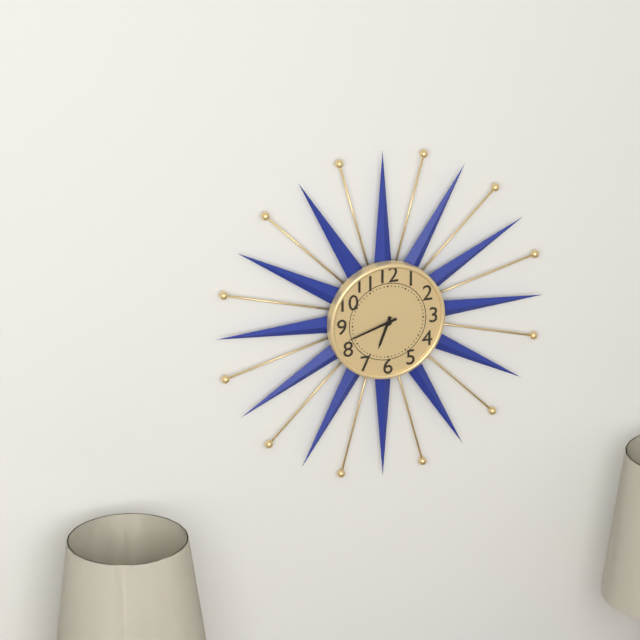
6h42
